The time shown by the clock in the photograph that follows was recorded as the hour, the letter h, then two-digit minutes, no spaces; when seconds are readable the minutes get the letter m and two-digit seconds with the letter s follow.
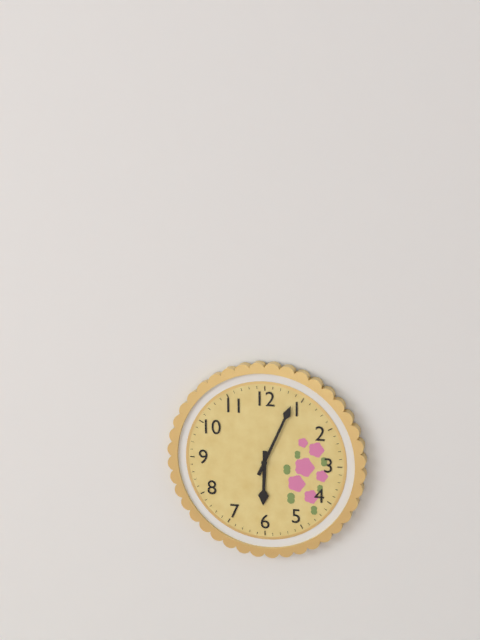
6h04
